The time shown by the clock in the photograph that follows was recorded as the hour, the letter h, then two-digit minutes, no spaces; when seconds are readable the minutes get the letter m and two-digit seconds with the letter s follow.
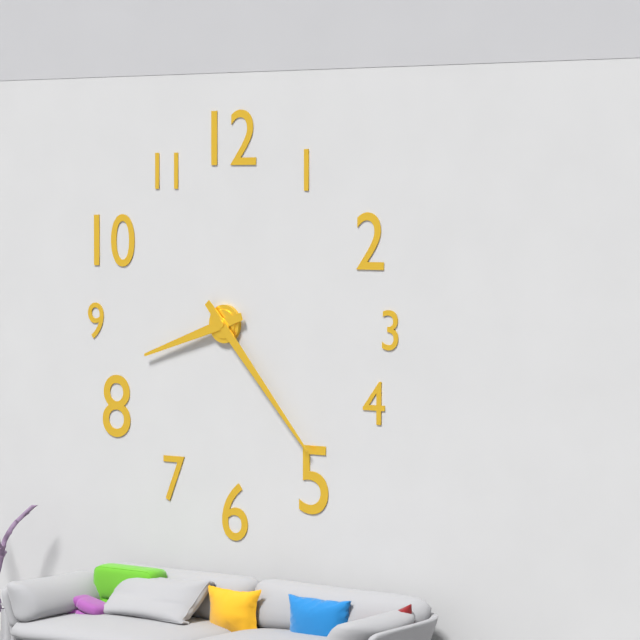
8h23
